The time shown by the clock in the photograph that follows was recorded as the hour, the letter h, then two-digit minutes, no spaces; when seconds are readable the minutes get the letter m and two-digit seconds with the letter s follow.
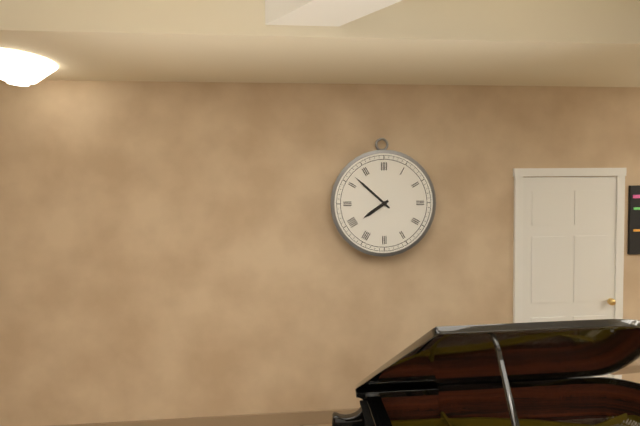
7h52
